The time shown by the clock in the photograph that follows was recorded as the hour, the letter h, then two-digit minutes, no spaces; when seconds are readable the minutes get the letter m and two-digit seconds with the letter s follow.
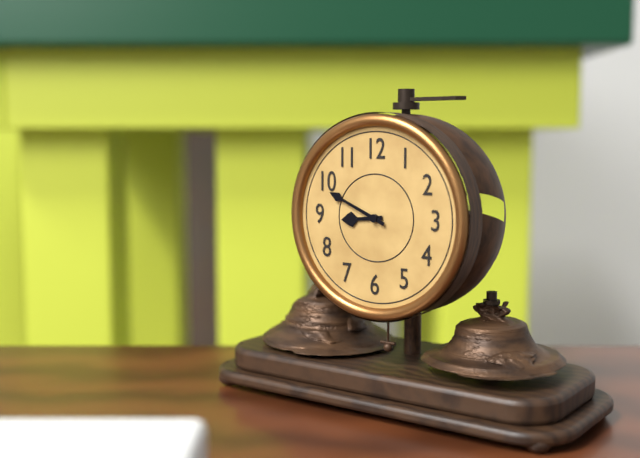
8h49
